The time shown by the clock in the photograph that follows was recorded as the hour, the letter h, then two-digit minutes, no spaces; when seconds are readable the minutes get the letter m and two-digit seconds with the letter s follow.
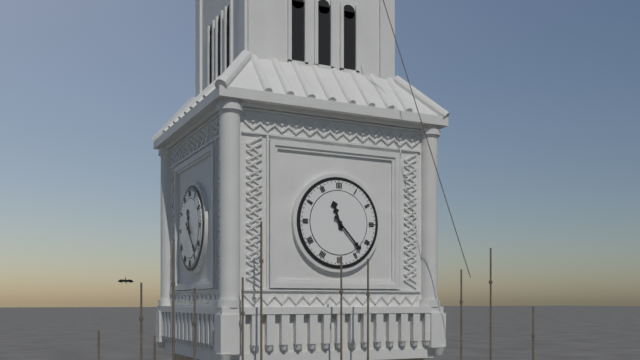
11h23
